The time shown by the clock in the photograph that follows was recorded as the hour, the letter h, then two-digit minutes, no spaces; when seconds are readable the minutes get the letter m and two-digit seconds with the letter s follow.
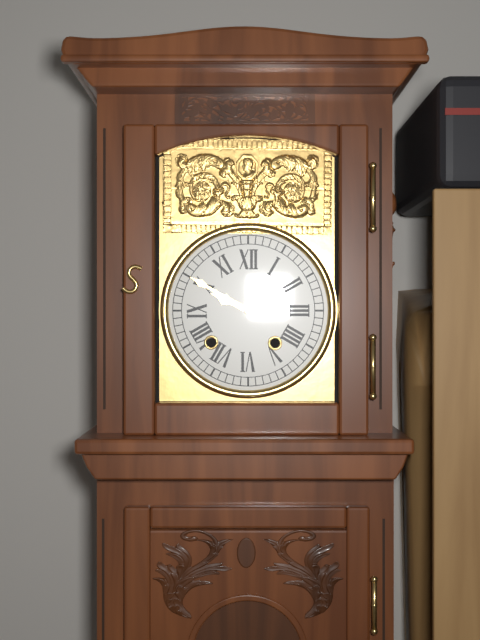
9h50
